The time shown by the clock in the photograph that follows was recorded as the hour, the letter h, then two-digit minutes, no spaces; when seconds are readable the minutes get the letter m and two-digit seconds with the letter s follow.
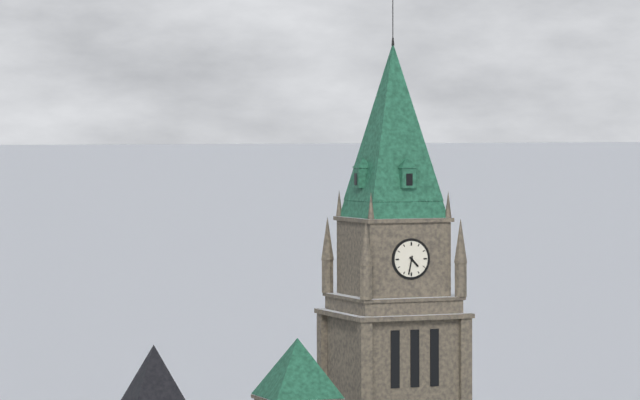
4h32
